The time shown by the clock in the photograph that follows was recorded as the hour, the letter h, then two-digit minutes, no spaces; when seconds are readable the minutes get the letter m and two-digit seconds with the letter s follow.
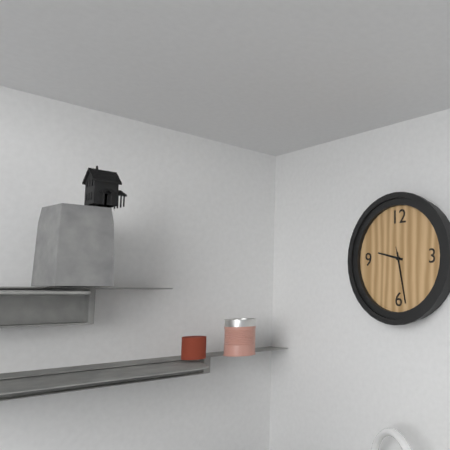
9h28m28s
